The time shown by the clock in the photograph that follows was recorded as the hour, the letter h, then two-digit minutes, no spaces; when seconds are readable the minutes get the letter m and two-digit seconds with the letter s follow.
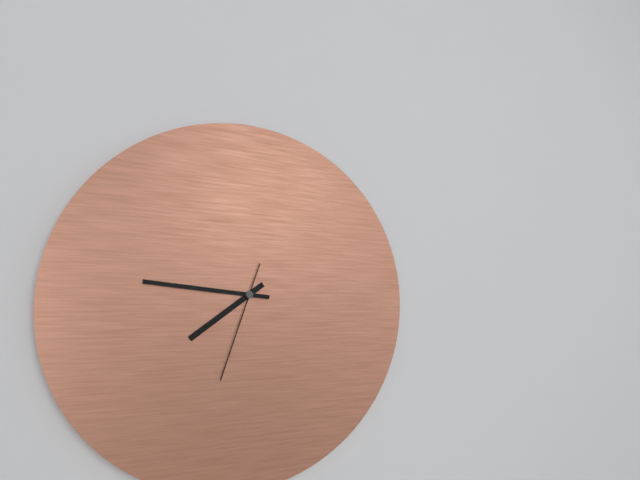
7h46m33s
